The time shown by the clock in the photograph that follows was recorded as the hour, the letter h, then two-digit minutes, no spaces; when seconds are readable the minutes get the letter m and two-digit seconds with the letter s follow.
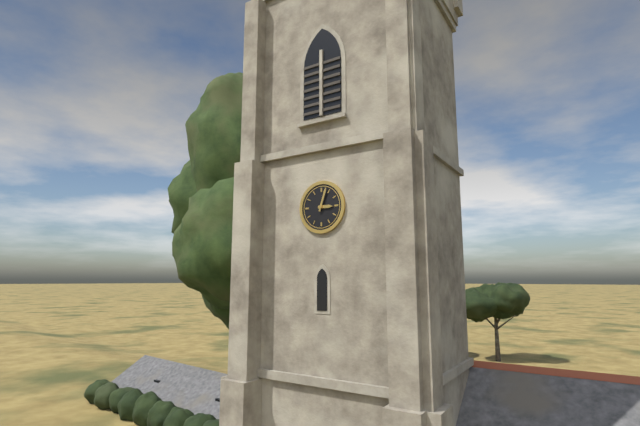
3h03
